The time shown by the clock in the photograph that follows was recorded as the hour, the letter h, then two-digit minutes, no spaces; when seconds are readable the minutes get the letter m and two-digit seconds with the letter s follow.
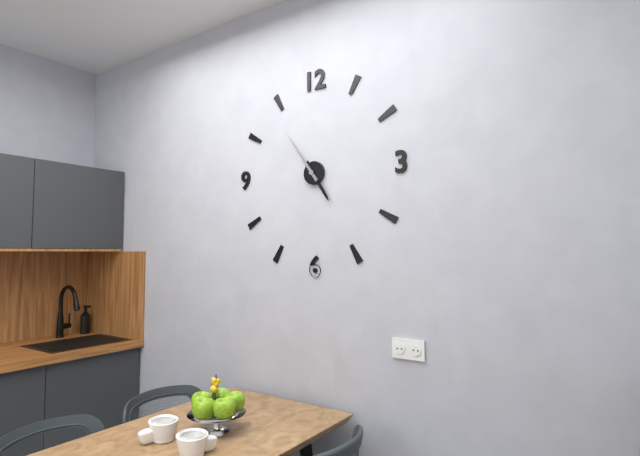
4h54
